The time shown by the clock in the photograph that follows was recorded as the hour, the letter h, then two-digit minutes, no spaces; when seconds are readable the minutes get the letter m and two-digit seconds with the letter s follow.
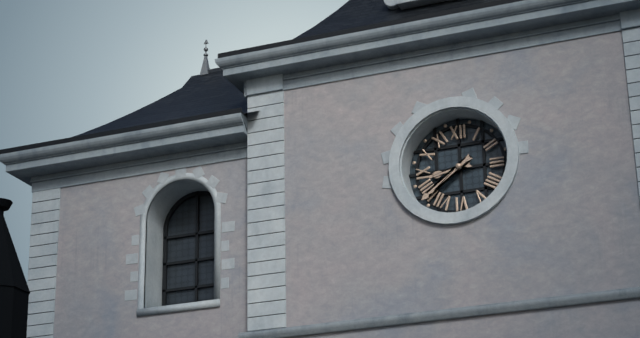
8h39
